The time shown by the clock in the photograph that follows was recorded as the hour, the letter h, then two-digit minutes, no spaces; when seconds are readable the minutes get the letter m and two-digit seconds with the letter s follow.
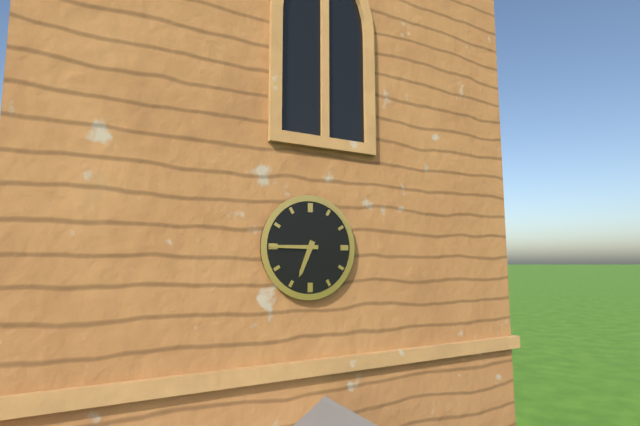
6h45
